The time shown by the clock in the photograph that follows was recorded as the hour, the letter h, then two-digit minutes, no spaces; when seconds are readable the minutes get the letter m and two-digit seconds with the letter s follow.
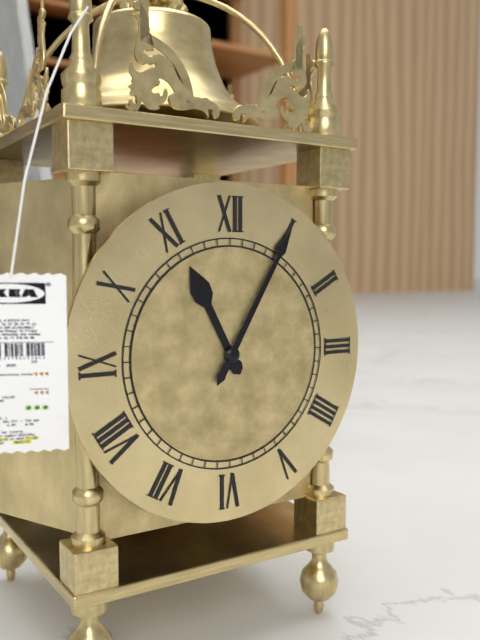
11h05
